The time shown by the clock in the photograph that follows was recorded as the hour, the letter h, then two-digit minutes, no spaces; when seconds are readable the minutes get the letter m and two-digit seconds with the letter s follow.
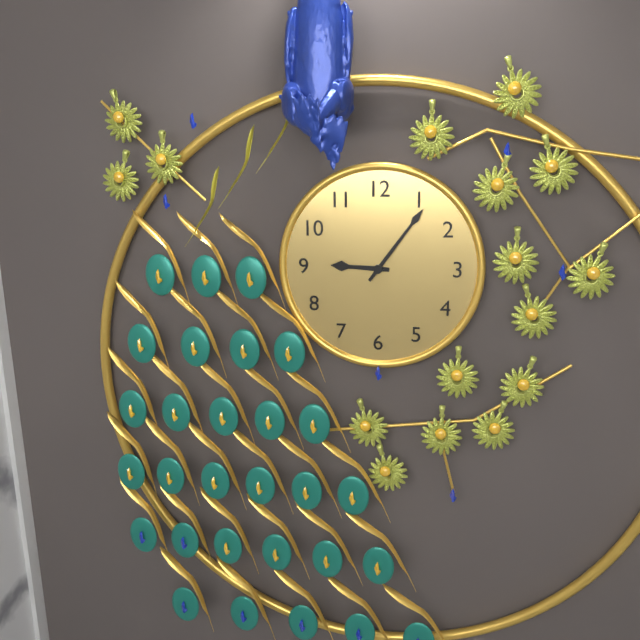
9h06
